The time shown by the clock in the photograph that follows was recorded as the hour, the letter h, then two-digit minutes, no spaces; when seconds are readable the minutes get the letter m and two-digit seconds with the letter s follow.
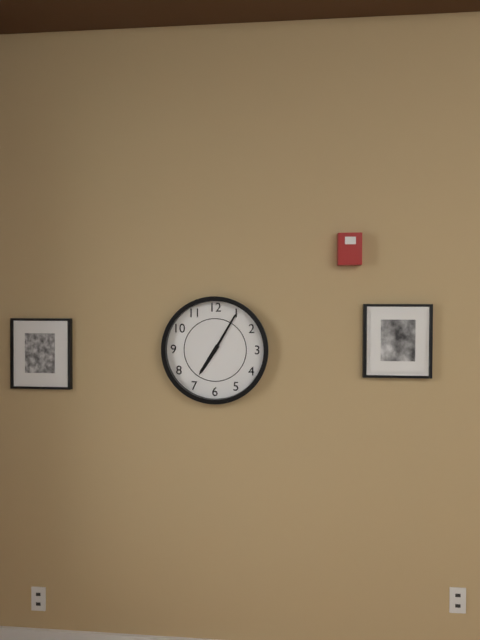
7h05
